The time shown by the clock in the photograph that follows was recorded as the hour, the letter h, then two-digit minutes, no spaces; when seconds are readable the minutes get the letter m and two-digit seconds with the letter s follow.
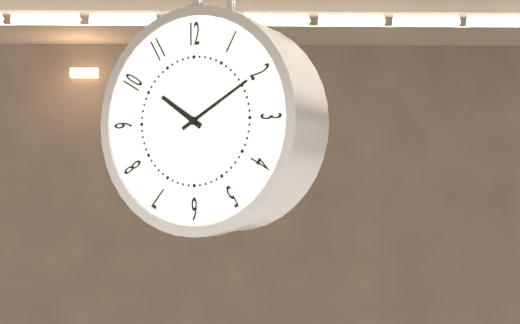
10h10
